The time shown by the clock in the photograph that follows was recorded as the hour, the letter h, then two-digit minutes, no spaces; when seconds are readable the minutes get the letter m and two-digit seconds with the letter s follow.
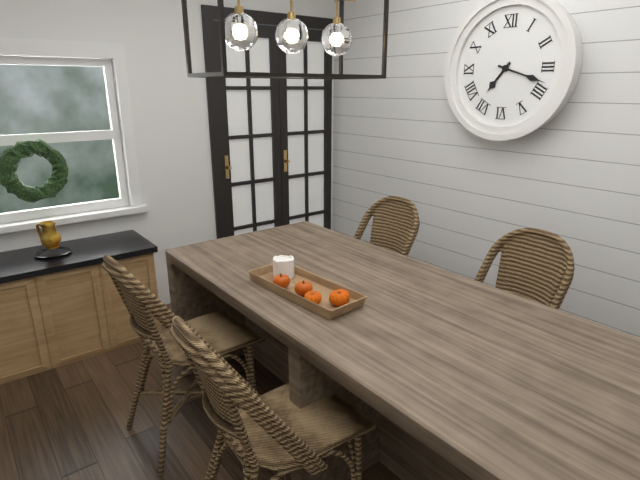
7h18
